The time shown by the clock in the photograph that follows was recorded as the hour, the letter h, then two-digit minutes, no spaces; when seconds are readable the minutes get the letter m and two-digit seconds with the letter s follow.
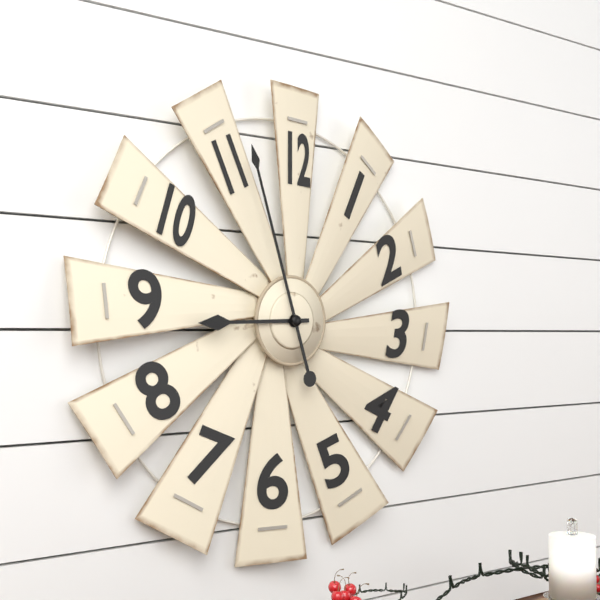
8h57
